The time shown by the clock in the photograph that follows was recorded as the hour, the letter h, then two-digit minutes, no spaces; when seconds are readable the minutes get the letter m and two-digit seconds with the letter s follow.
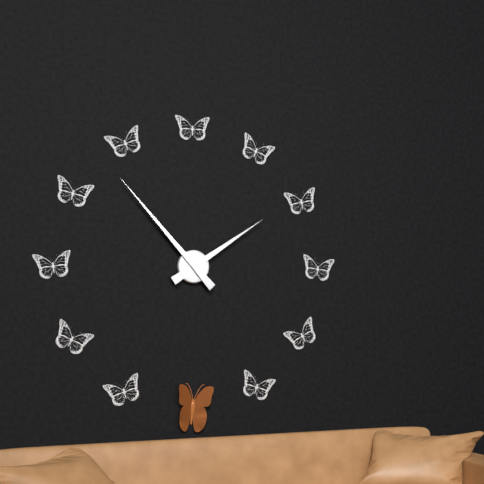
1h53
